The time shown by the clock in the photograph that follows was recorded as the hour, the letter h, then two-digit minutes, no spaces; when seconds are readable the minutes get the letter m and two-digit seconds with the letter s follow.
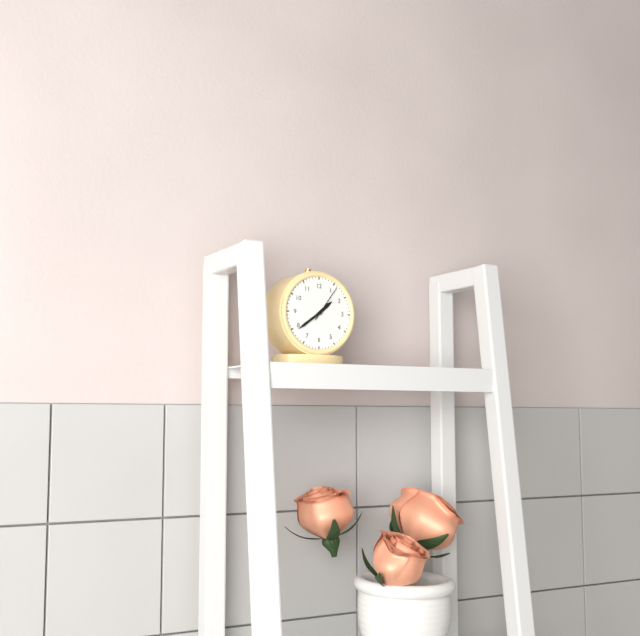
1h39
